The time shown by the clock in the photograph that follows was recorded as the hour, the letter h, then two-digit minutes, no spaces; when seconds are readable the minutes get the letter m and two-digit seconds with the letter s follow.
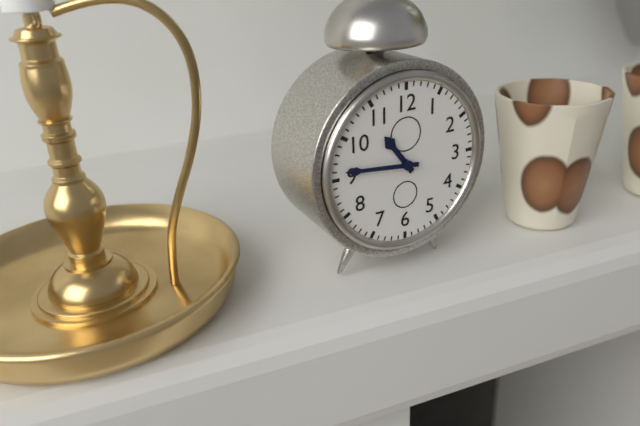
10h46
